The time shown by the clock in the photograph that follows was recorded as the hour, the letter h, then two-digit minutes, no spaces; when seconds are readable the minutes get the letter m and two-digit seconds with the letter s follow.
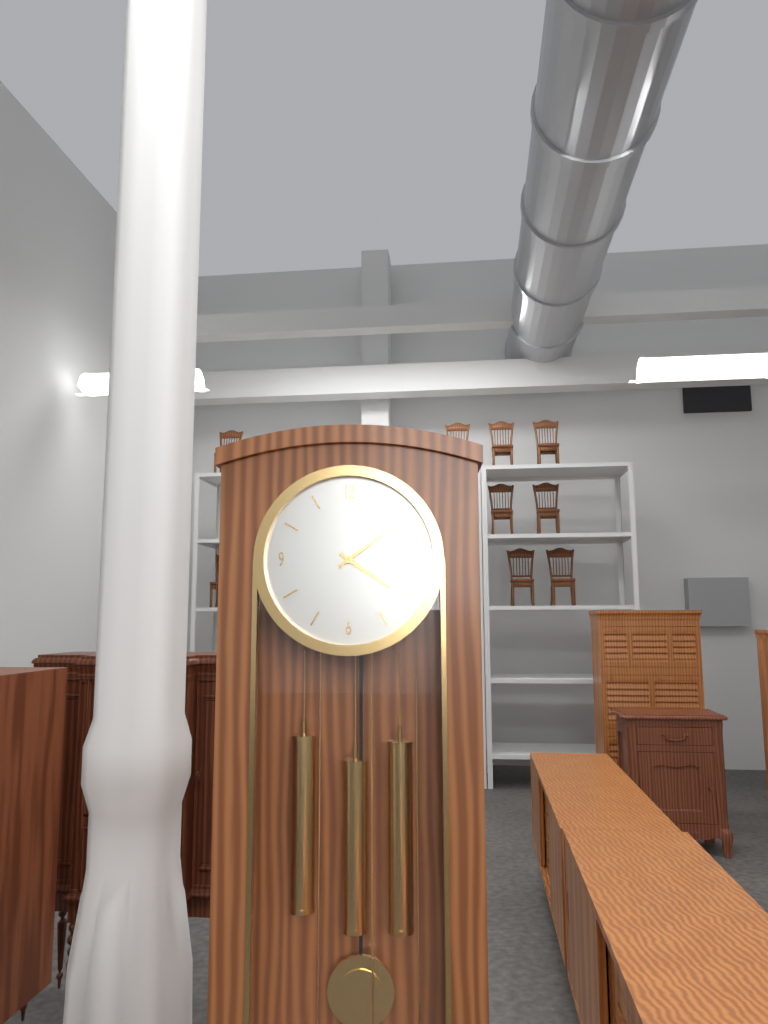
4h09
